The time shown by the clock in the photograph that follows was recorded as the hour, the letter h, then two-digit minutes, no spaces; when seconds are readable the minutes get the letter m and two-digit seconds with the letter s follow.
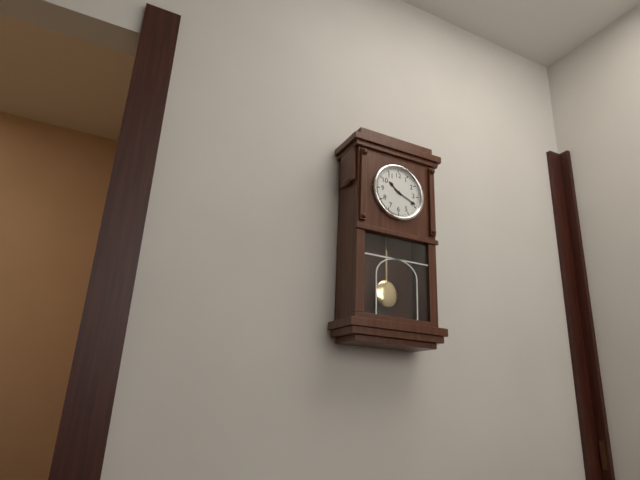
10h19
